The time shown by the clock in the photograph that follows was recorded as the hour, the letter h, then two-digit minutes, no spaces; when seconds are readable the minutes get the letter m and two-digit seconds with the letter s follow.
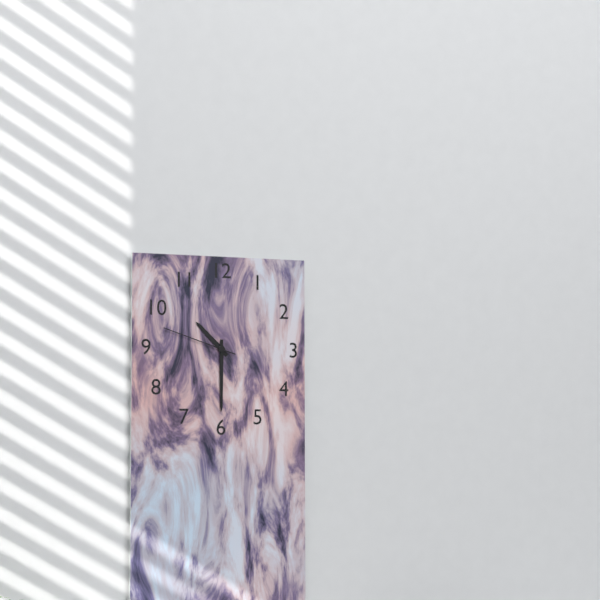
10h30m48s
